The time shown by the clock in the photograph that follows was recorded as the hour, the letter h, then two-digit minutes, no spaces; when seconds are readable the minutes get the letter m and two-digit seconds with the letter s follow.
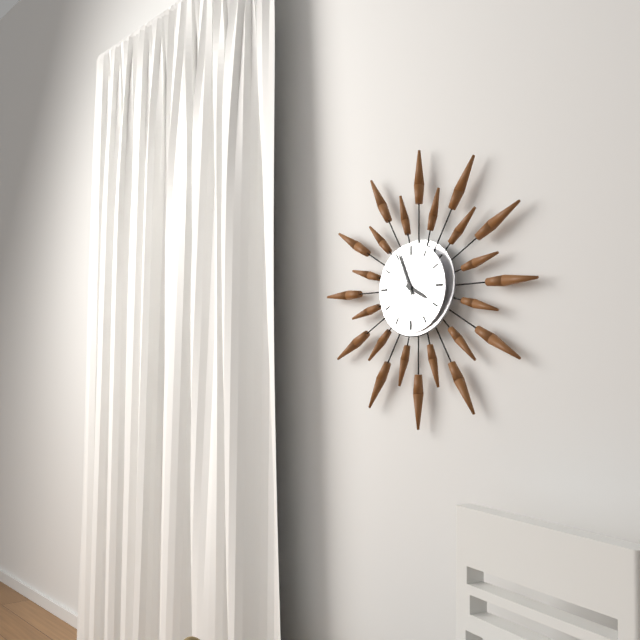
3h56
